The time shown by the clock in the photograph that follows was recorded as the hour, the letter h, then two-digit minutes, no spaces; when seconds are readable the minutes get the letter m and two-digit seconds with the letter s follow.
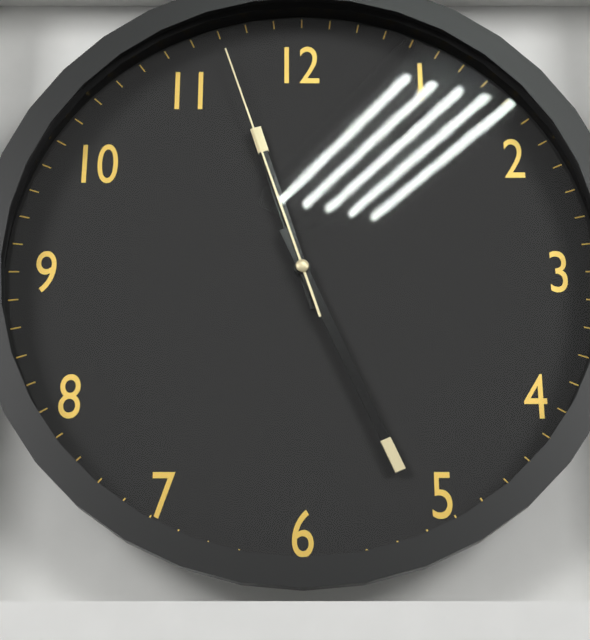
11h26m57s
